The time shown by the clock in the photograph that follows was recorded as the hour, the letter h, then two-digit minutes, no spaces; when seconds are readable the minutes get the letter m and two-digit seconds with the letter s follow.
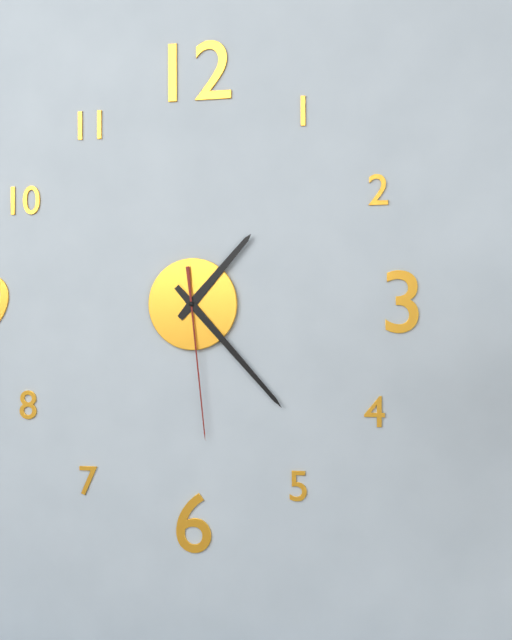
1h23m29s
